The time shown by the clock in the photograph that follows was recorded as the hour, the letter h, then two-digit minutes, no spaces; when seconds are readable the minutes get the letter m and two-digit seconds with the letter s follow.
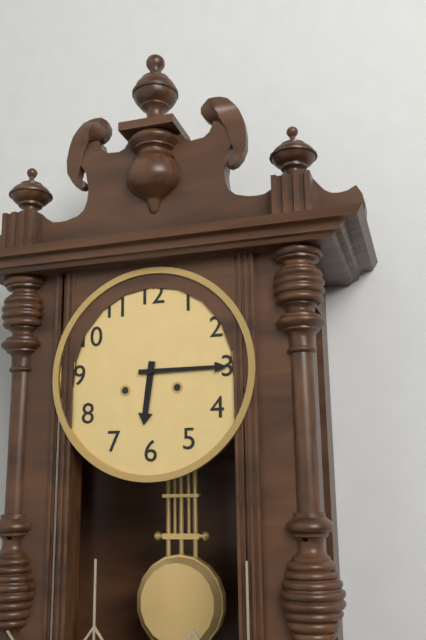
6h15
